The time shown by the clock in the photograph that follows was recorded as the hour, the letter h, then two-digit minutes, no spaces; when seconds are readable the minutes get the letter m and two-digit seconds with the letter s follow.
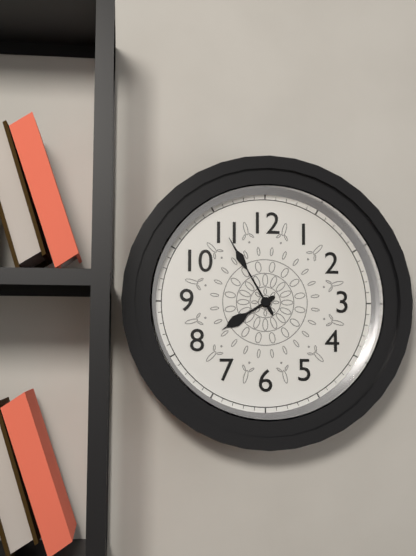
7h55
